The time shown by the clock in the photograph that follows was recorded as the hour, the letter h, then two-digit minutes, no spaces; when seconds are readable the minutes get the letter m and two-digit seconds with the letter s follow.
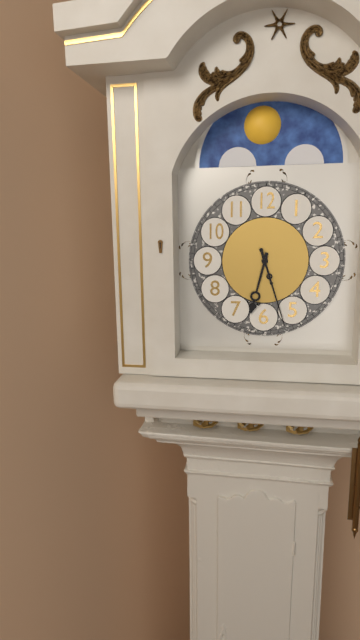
6h27
